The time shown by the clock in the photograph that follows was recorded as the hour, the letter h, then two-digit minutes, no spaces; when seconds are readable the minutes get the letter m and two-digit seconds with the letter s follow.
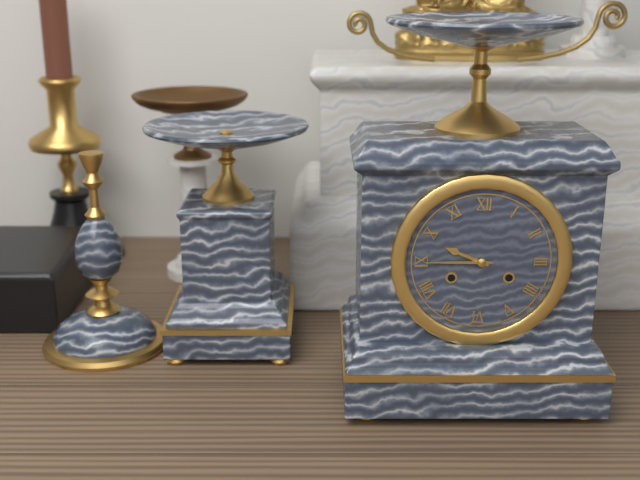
9h45
